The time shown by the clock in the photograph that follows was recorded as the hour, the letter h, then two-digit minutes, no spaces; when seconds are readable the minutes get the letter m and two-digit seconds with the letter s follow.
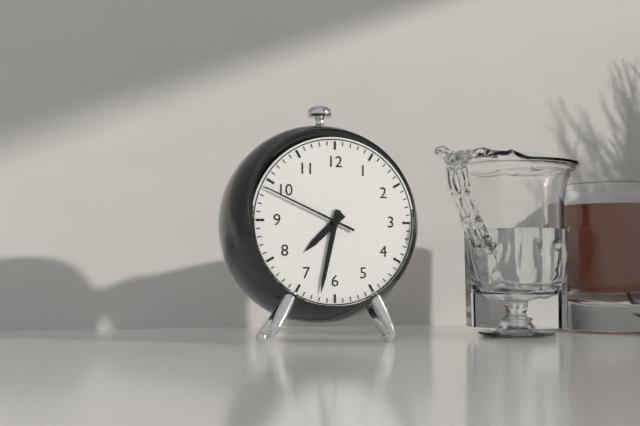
7h32m49s
